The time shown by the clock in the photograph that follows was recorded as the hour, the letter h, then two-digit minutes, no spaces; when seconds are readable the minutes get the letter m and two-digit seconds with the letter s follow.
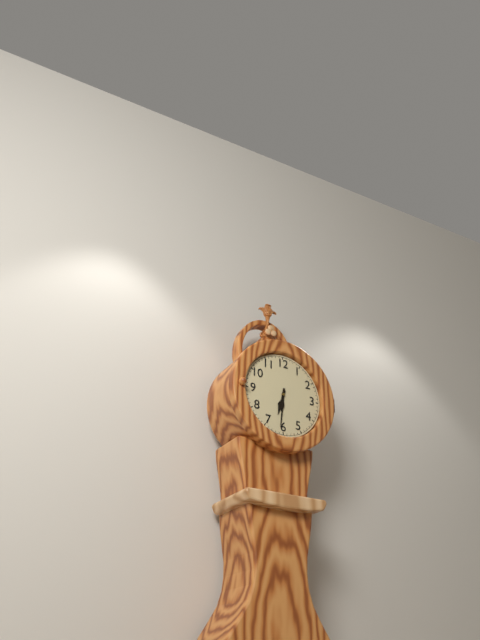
6h31
